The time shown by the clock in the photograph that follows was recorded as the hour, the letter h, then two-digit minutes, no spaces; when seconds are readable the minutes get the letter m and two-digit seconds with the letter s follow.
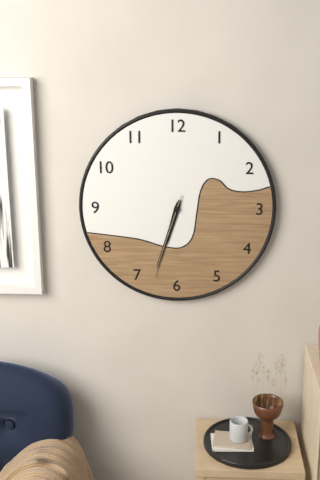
6h33m33s
